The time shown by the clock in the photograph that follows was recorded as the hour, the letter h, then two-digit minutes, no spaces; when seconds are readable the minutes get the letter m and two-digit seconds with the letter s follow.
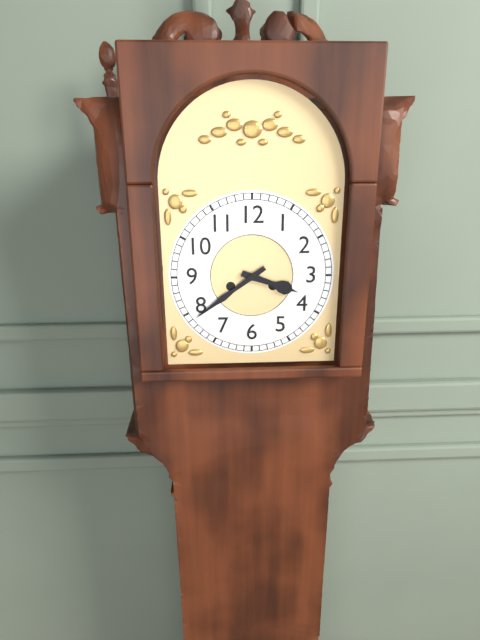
3h39
